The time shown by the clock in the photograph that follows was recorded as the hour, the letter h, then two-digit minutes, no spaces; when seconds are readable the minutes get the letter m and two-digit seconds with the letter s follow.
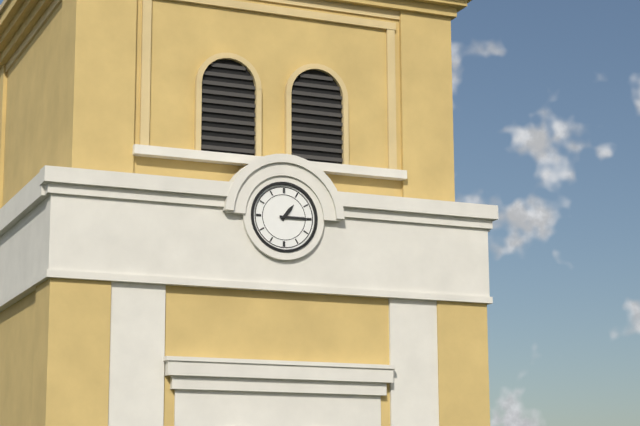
1h15
